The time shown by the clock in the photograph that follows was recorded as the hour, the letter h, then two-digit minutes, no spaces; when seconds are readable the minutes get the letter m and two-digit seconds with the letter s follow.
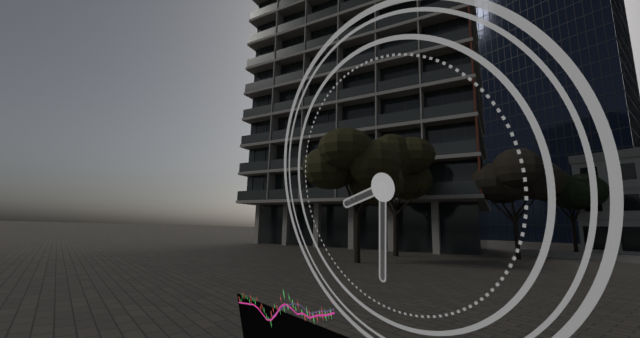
8h32
